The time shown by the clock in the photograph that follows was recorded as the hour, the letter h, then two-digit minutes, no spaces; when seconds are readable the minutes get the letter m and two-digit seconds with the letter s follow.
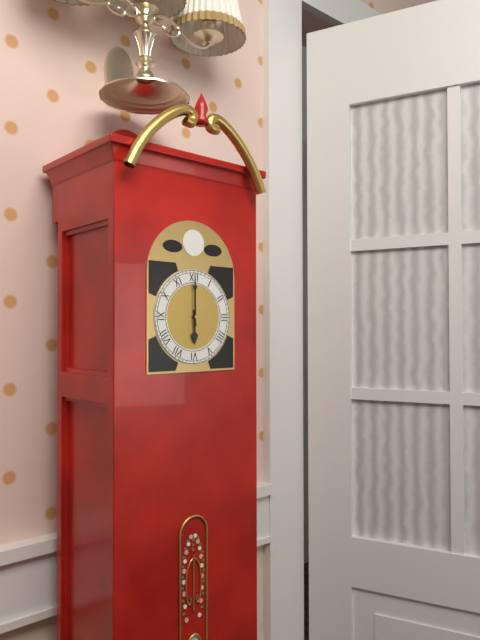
6h00
